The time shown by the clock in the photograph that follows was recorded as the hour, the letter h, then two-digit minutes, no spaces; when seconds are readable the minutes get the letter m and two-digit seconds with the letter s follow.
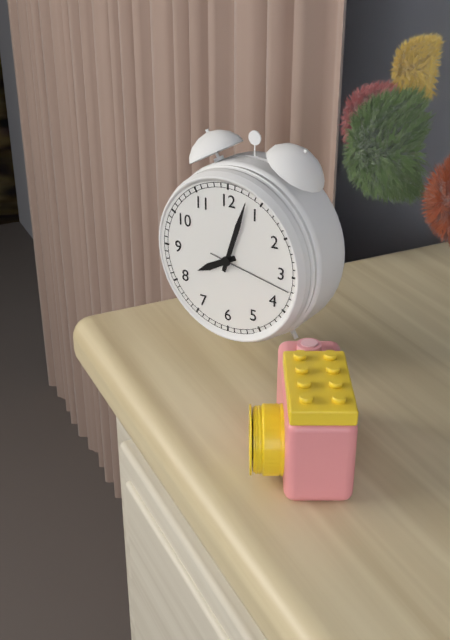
8h03m17s
